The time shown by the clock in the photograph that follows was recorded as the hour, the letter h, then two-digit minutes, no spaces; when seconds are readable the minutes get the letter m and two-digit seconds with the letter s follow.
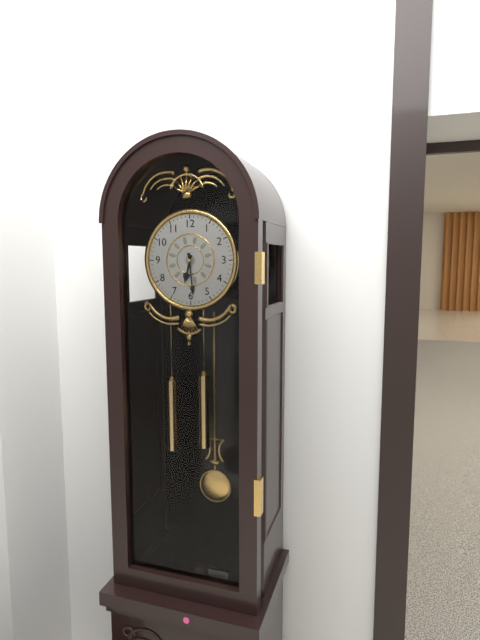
6h29
